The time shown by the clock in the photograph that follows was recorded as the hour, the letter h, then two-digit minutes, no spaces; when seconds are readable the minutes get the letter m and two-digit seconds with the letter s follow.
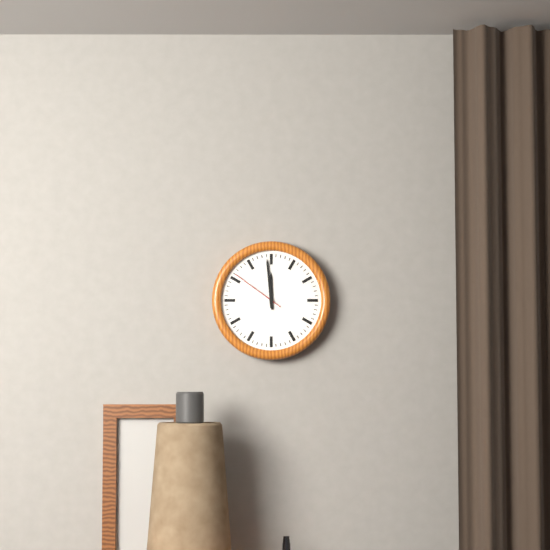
11h59m51s
